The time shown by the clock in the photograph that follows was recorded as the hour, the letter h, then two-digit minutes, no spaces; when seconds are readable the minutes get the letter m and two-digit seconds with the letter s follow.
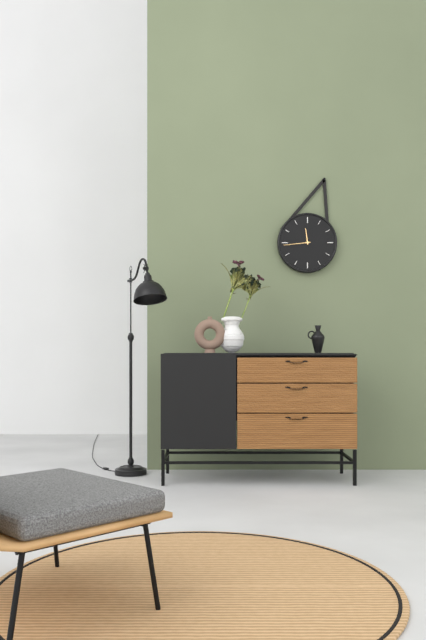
11h44
